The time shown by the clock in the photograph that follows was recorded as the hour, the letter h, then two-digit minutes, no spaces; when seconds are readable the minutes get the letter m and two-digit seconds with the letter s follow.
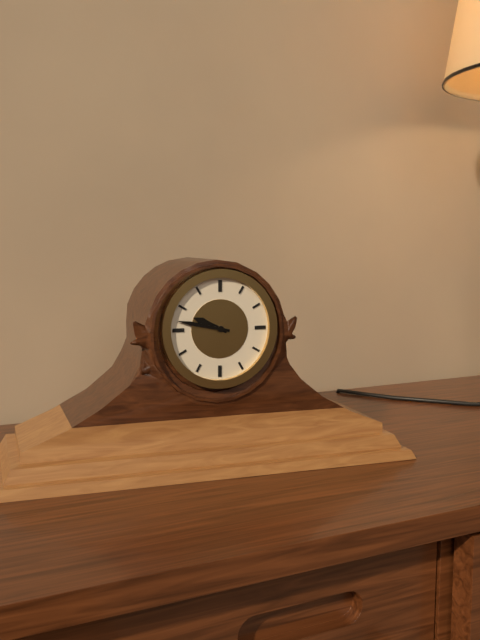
9h47
